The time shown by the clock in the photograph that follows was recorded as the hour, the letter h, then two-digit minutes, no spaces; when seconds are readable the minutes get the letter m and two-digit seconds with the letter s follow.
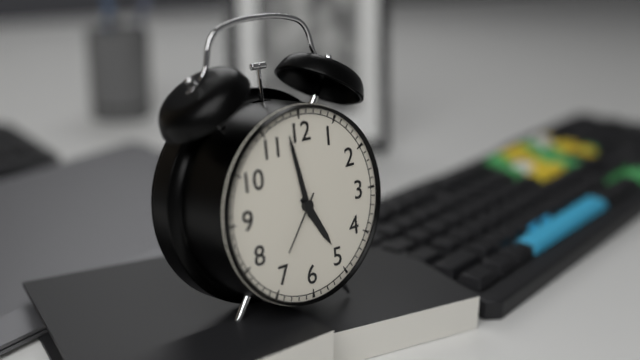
4h58m36s
